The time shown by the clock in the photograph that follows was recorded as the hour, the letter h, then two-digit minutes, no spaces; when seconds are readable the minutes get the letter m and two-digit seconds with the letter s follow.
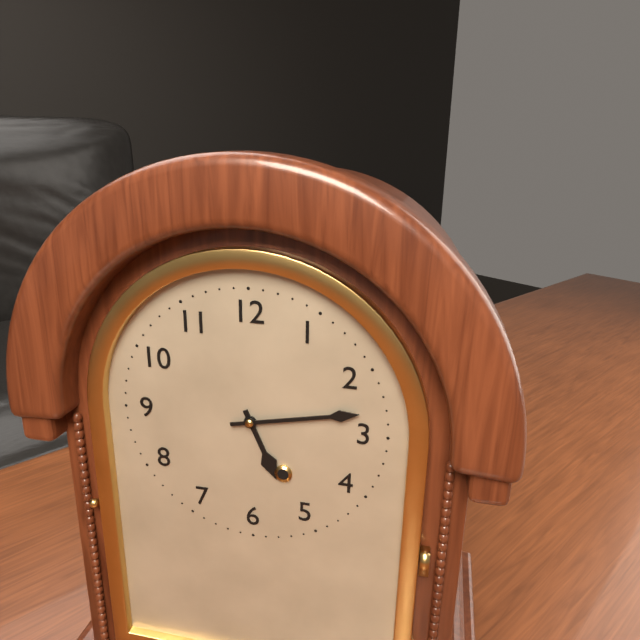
5h13
